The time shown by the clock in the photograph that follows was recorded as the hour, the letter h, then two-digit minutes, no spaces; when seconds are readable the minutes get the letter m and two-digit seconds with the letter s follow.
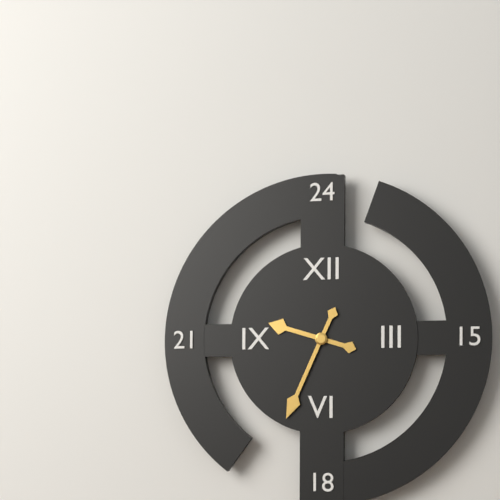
9h34
